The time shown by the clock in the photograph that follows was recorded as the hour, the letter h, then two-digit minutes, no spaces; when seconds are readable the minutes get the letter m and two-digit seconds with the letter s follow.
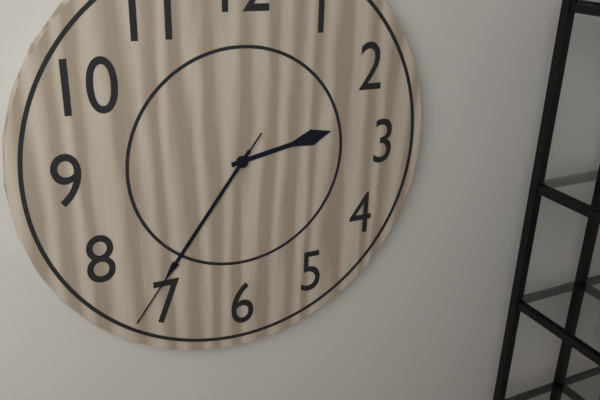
2h36m36s
